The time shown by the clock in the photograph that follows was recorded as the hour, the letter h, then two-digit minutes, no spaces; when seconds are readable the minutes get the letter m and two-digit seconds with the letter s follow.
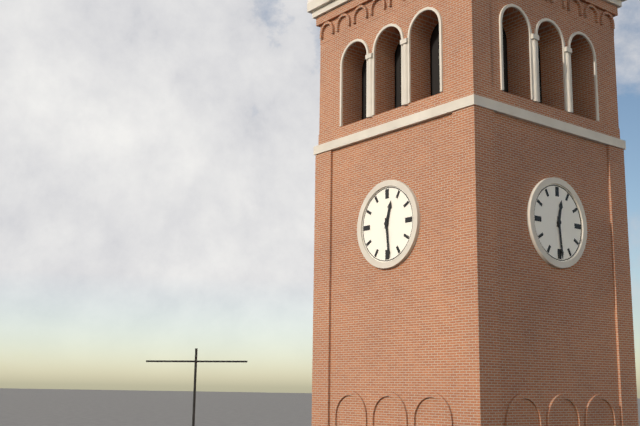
12h29
